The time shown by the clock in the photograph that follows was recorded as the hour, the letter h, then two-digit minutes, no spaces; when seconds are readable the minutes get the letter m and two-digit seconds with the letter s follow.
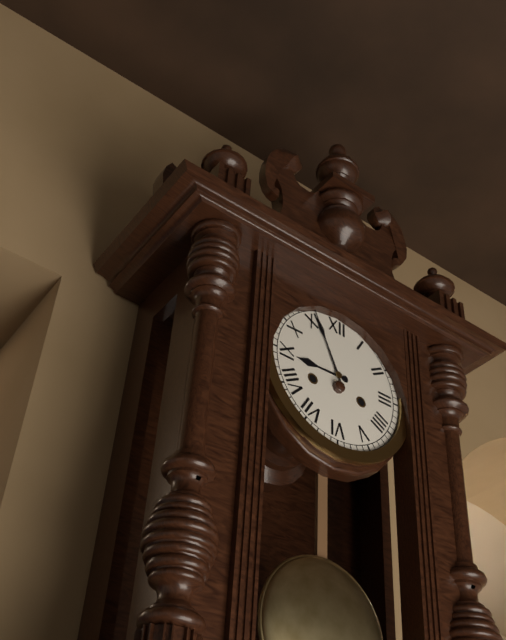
8h56
